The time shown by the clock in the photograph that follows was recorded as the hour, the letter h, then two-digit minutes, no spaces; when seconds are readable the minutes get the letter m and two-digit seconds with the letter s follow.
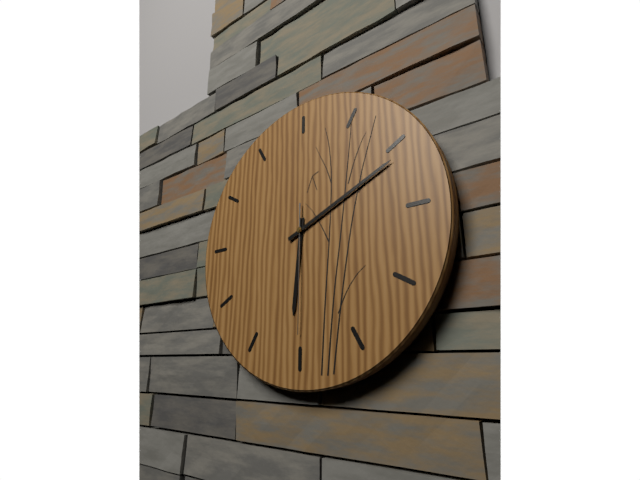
6h11m30s
